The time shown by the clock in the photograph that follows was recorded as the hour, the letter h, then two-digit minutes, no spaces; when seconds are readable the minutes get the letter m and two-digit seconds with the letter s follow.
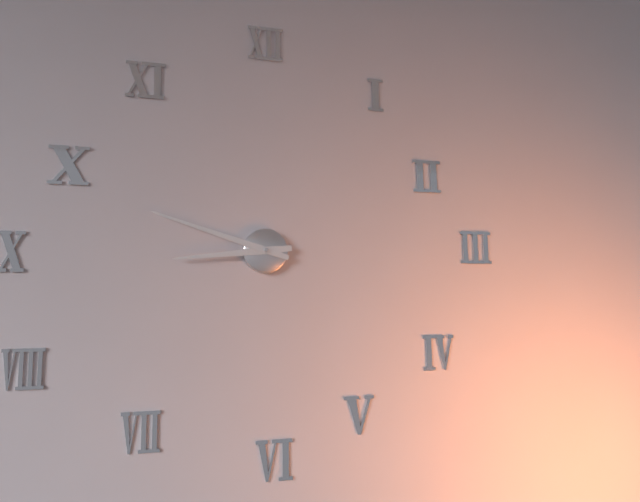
8h48
